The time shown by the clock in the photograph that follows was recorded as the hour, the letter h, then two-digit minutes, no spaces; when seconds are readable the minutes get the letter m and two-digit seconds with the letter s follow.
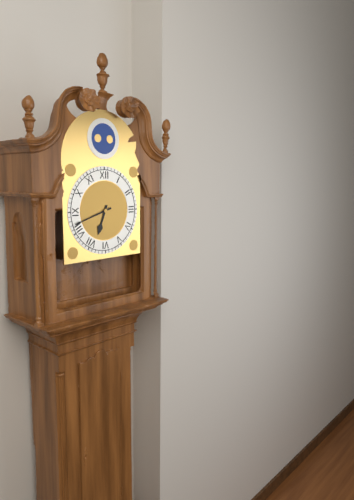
6h42
